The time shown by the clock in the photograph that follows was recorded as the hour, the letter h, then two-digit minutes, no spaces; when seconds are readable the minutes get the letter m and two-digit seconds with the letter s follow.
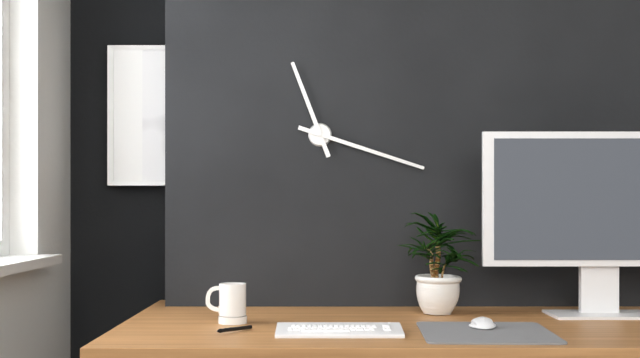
11h18
